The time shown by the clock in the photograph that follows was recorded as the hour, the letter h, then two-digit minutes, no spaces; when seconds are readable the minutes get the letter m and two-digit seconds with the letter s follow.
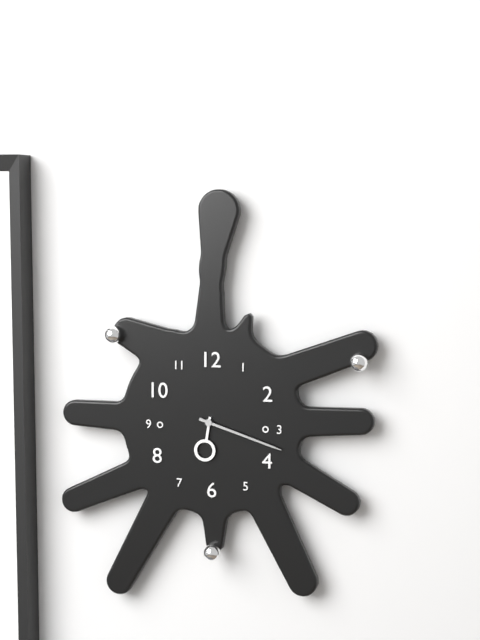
6h18
